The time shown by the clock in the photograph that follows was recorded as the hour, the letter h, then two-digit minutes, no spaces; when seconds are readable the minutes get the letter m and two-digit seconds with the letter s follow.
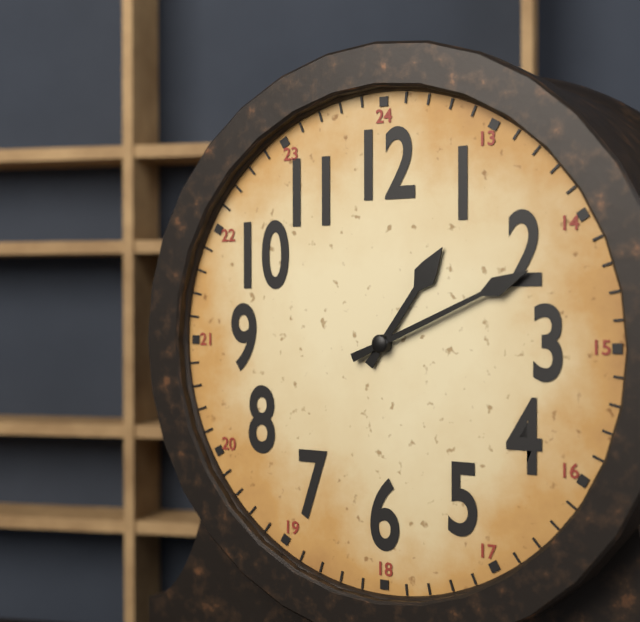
1h11
